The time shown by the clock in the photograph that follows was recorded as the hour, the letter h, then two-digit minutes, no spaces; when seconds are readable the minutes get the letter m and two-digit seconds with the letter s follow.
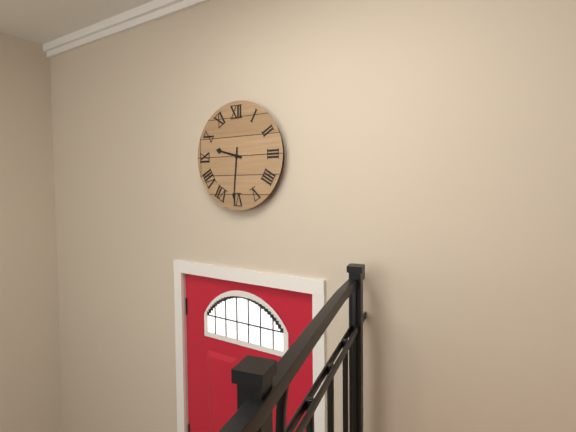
9h31
